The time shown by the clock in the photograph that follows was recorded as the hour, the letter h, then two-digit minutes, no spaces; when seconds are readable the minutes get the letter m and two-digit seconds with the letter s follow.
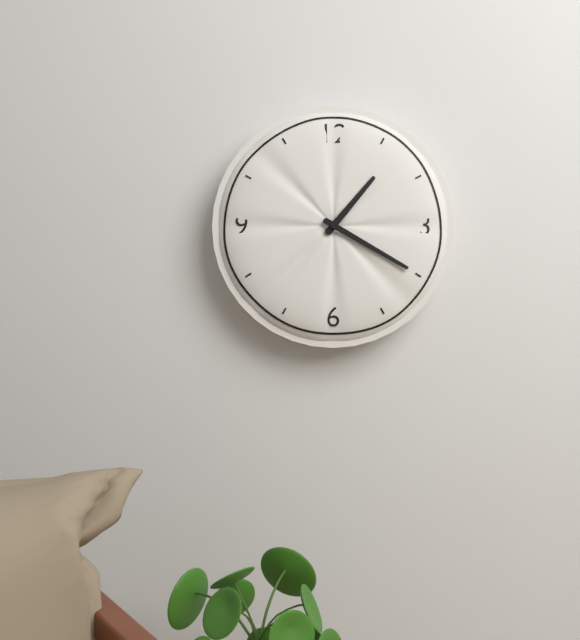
1h20
